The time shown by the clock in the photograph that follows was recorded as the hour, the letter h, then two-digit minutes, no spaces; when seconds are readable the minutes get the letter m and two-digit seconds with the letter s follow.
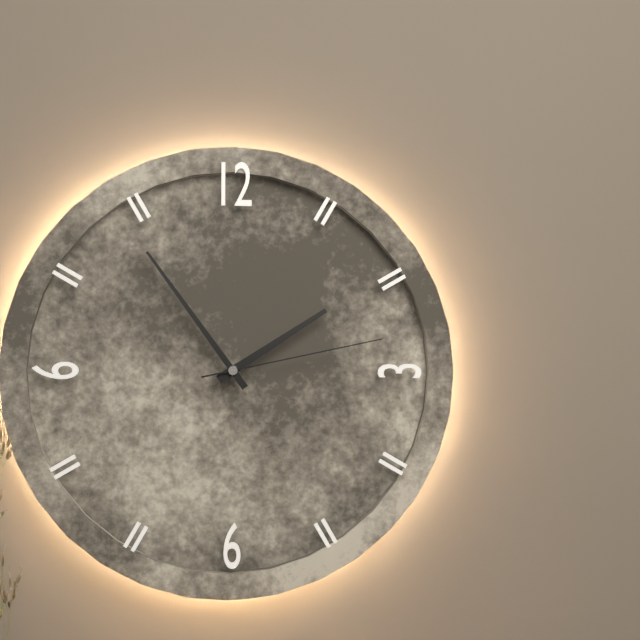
1h54m13s
